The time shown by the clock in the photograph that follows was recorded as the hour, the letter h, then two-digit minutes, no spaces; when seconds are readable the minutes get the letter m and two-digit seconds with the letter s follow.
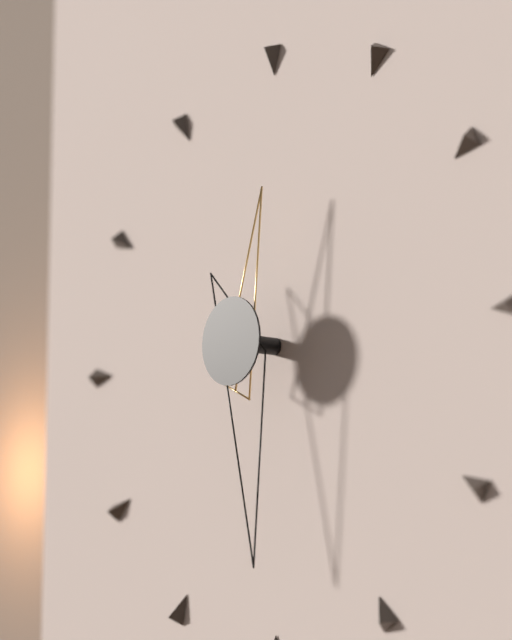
12h29
